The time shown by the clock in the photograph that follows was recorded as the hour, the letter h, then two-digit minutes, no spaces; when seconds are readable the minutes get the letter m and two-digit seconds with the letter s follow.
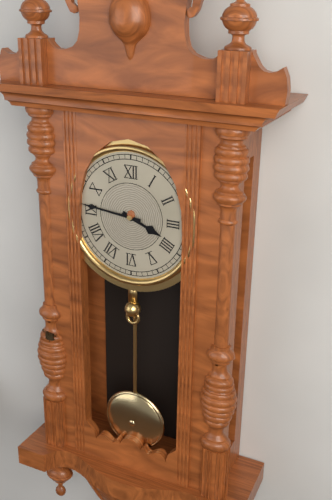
3h46
